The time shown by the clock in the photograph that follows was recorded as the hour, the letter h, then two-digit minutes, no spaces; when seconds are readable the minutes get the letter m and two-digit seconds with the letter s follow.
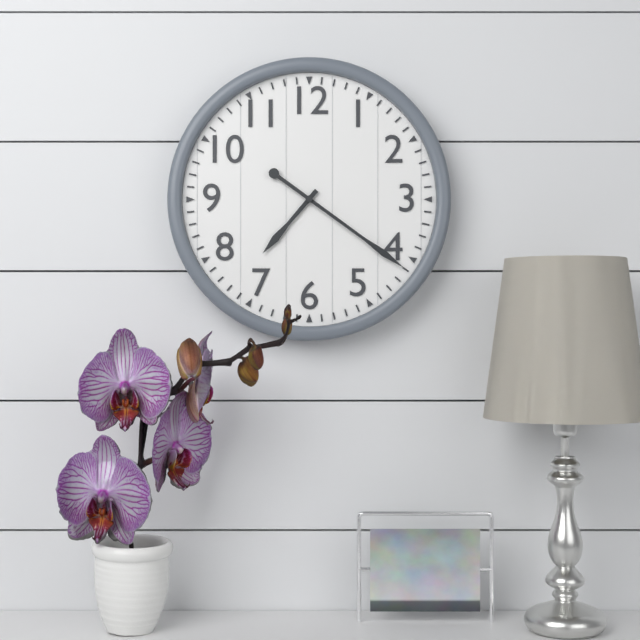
7h21
